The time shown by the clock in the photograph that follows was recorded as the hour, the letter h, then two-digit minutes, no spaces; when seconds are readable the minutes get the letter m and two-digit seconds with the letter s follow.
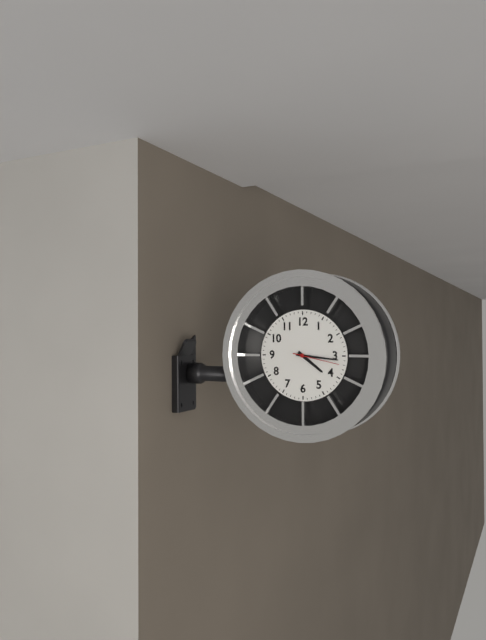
4h16
